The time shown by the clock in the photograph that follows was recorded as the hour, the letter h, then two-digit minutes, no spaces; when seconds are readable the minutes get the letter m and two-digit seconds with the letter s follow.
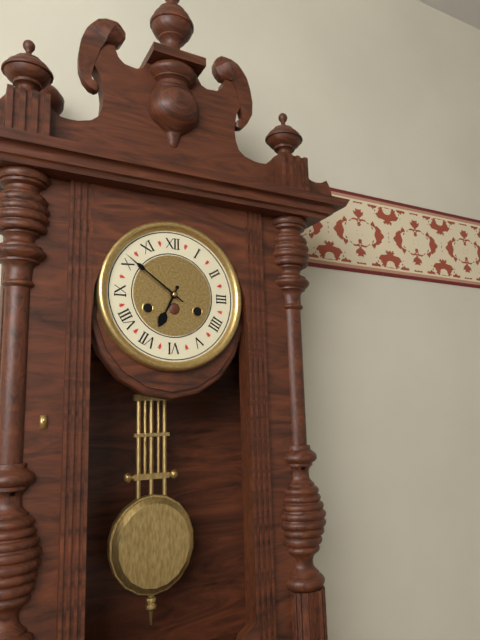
6h51
